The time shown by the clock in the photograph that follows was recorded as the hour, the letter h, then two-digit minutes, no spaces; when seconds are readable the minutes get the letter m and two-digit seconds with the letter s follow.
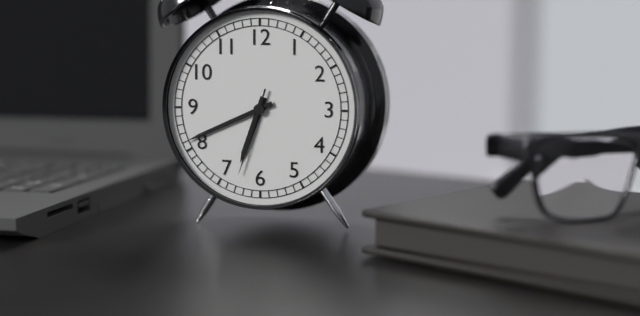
6h41m33s
